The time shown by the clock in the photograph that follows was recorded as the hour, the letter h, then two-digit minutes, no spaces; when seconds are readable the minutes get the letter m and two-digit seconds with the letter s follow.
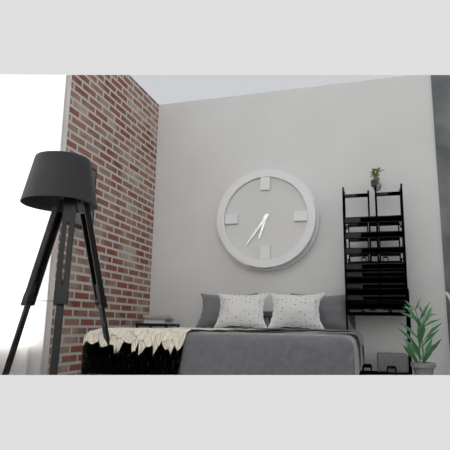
6h36
